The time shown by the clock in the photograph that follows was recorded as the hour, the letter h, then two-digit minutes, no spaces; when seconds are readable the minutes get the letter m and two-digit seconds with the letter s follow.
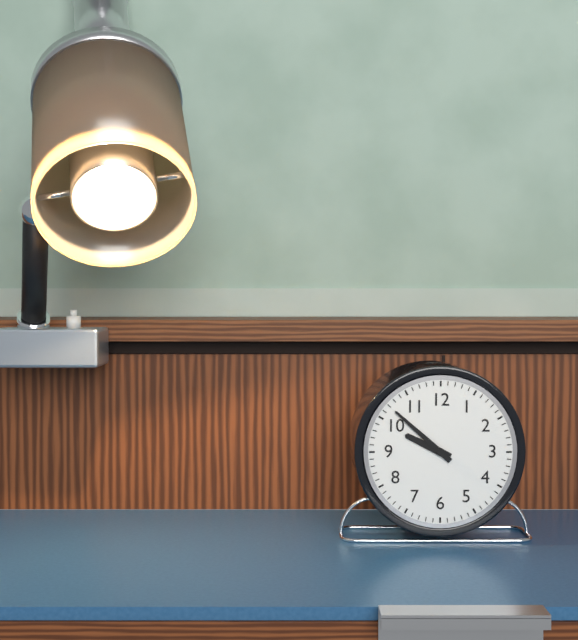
9h52
